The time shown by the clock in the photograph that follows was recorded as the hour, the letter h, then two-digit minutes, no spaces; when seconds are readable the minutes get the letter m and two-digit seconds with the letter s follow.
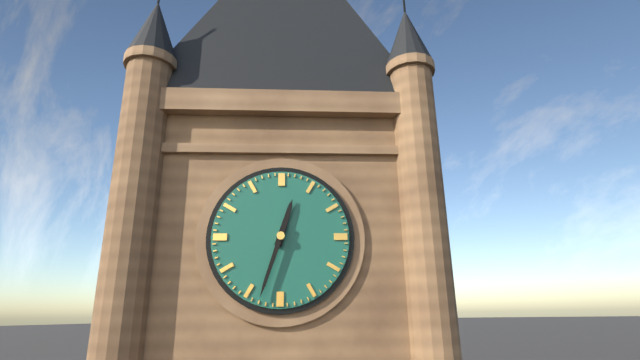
12h33
